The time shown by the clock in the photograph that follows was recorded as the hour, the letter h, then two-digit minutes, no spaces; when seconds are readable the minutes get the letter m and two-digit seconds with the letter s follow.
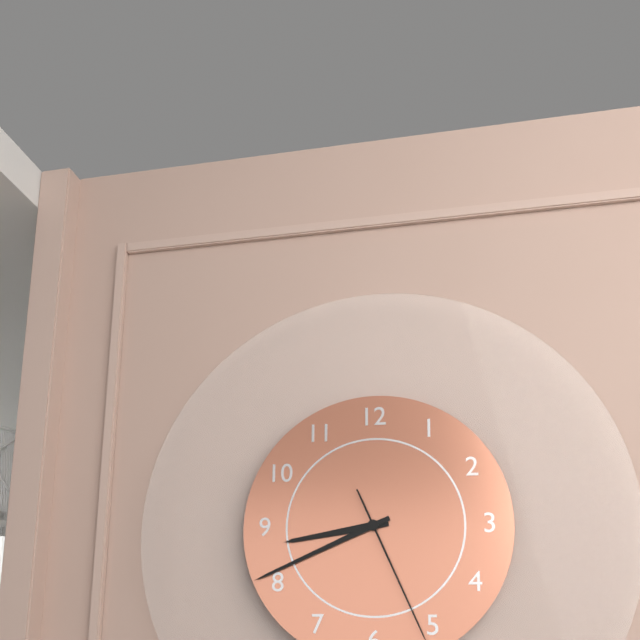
8h41
